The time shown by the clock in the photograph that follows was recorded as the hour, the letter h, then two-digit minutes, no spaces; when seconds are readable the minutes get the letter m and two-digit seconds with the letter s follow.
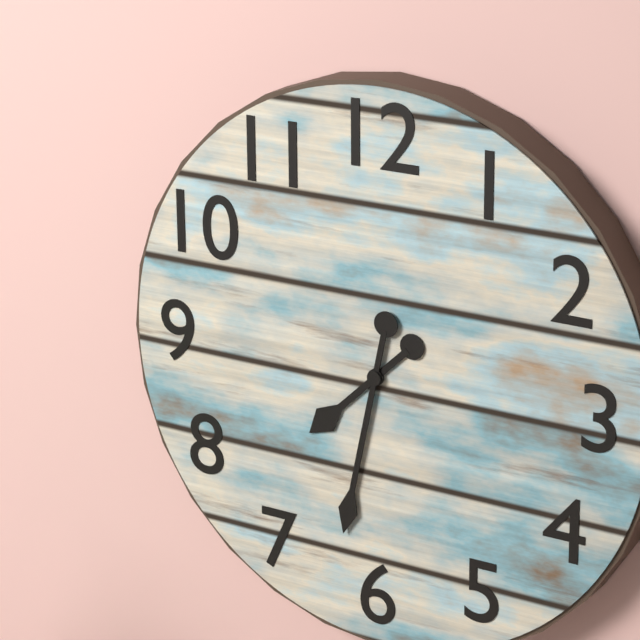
7h32
